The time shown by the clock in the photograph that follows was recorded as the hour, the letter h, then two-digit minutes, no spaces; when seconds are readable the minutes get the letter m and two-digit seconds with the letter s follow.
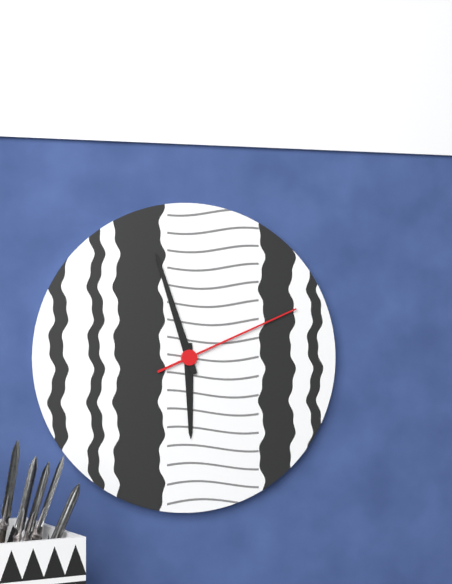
5h57m11s
